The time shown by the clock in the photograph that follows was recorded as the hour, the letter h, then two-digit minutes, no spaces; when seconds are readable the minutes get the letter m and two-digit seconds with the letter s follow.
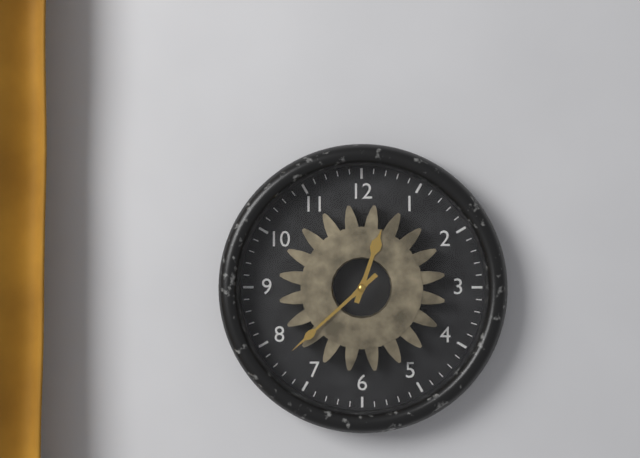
12h38
